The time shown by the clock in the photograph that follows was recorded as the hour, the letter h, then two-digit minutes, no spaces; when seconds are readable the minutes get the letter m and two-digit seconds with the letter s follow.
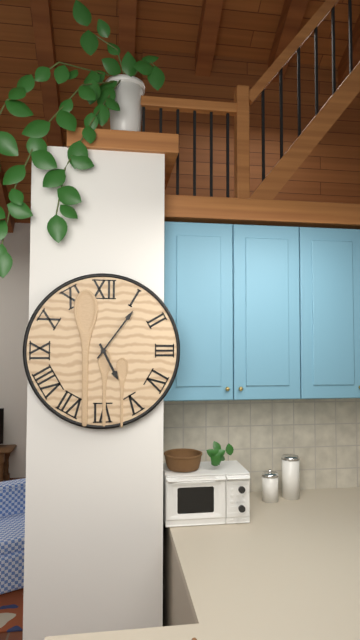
5h06
